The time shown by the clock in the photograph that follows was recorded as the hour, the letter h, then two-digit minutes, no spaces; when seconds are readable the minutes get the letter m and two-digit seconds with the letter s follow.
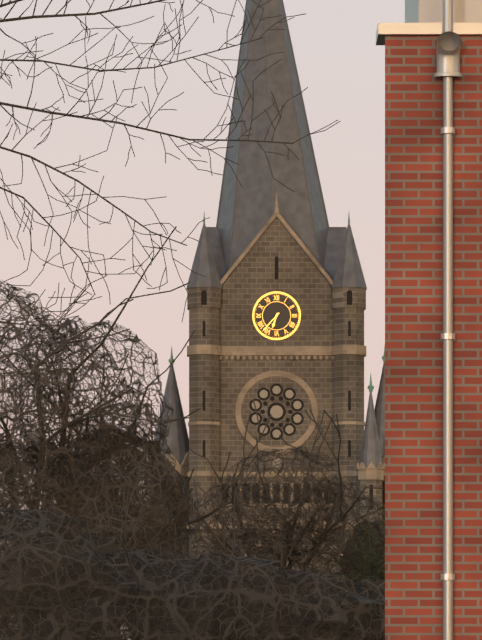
6h37
